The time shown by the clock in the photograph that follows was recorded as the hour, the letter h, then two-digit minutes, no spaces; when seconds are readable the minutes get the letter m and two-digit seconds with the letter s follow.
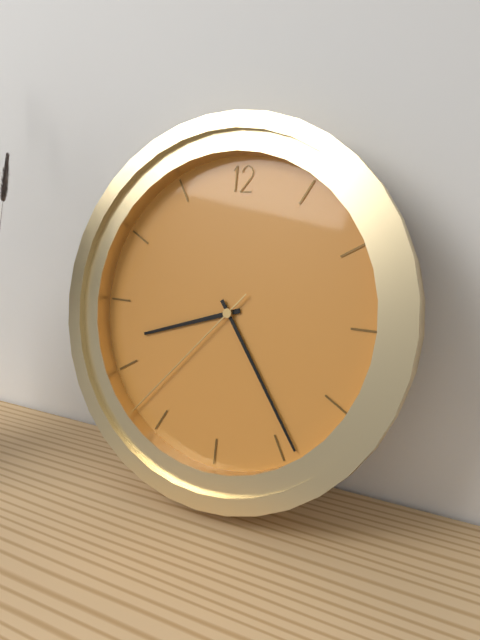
8h24m37s
